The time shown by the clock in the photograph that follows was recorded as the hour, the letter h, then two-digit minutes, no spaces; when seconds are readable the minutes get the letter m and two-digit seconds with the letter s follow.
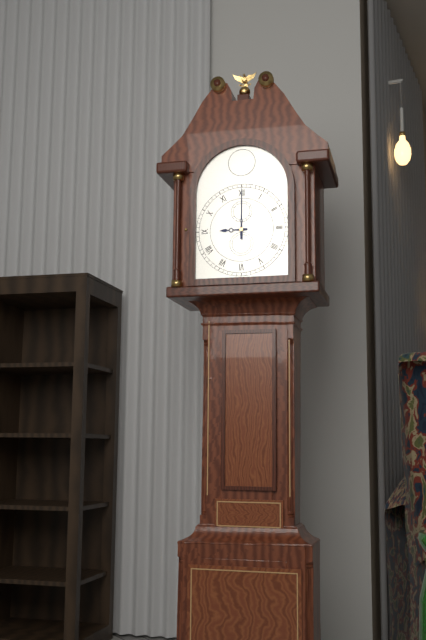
9h00
